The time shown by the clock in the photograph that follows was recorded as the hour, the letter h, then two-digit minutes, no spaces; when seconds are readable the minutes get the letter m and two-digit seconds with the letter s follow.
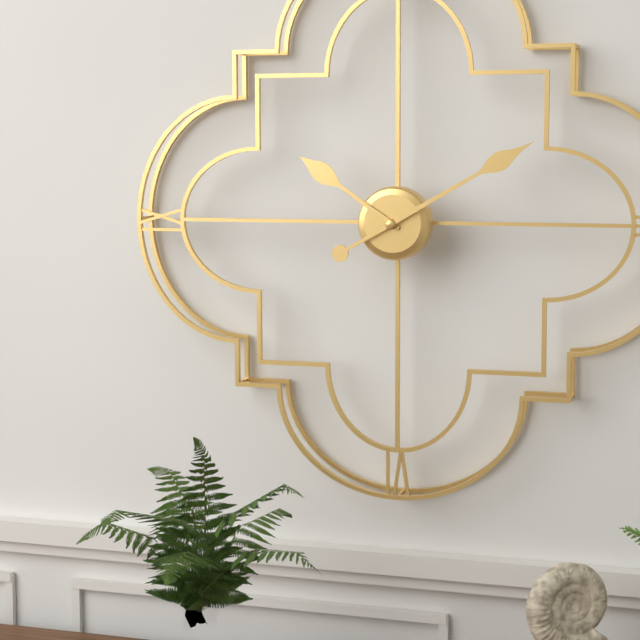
10h10
